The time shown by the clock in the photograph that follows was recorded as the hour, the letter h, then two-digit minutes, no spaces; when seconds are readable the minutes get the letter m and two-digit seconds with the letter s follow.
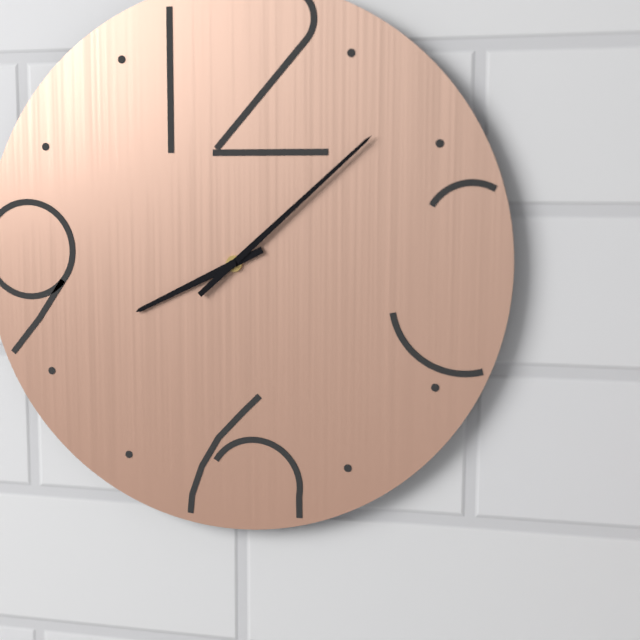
8h08
